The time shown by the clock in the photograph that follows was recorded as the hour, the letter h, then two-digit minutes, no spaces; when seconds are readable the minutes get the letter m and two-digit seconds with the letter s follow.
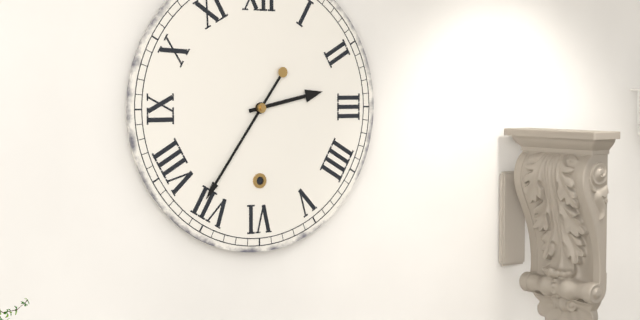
2h36
